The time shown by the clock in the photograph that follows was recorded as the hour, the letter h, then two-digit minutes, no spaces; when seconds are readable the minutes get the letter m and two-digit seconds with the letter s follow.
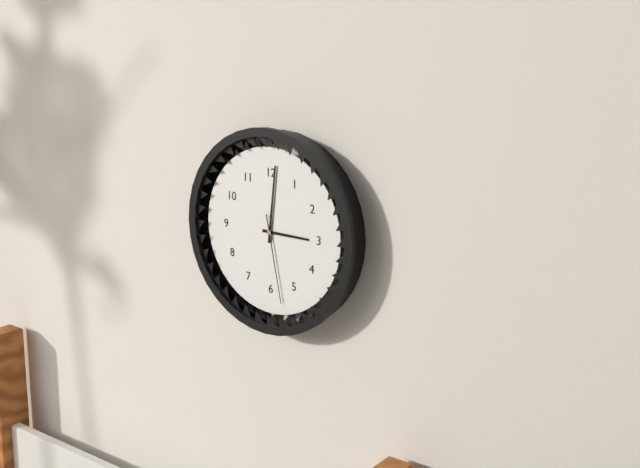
3h01m28s
